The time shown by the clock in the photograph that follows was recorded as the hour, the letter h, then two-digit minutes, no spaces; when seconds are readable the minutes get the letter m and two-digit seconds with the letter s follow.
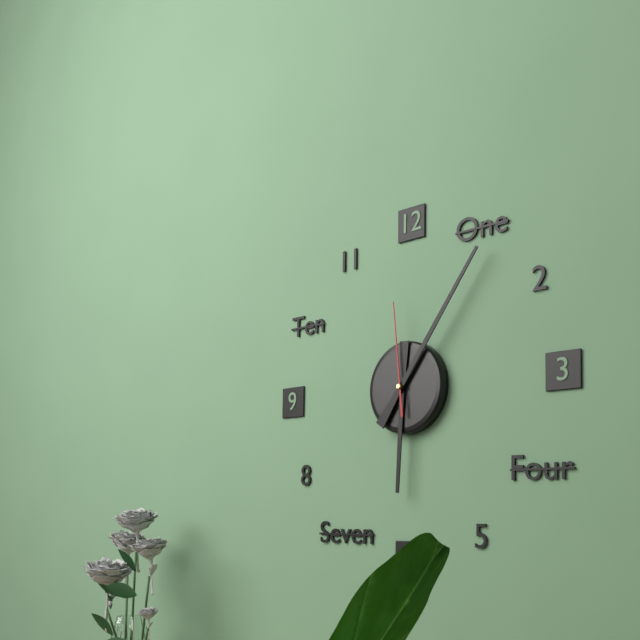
6h06m59s
